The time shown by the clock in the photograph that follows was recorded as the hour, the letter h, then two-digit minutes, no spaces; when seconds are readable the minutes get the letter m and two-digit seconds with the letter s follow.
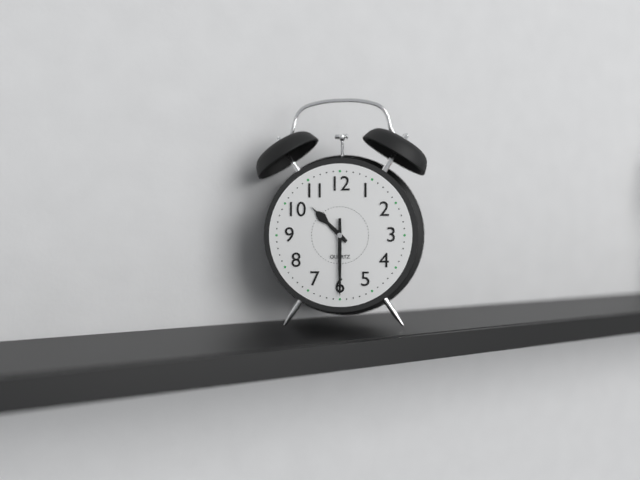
10h30
